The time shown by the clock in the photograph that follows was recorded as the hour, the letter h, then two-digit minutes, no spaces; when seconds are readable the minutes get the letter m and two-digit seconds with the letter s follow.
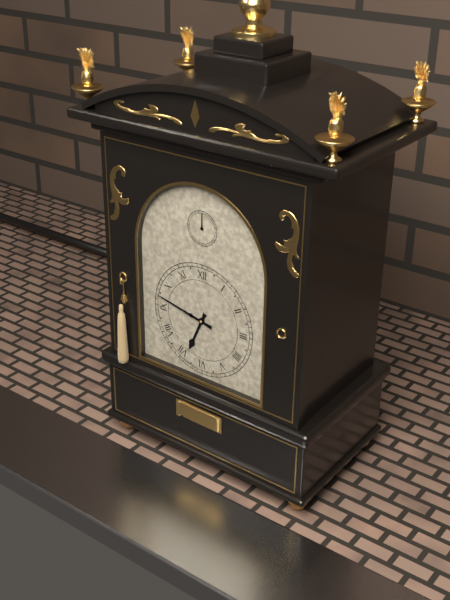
6h47
